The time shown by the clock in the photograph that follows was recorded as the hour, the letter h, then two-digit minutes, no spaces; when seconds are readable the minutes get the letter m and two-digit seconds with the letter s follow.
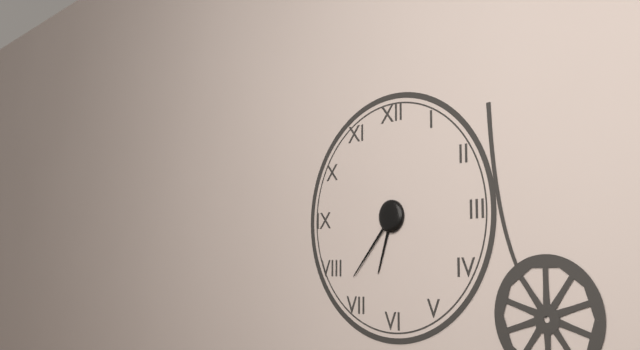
6h37
